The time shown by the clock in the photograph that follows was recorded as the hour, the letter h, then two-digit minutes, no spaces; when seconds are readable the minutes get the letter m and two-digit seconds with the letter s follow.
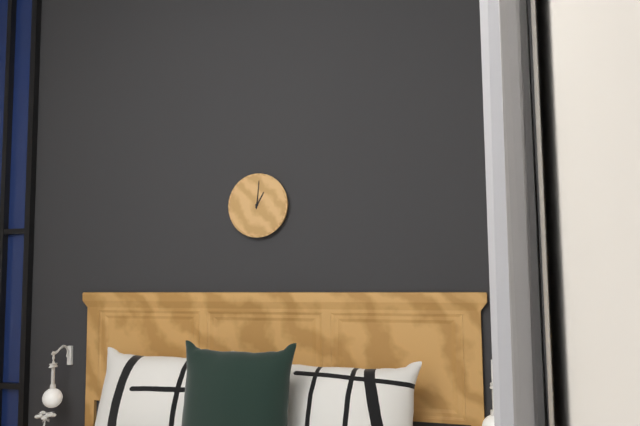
1h01
